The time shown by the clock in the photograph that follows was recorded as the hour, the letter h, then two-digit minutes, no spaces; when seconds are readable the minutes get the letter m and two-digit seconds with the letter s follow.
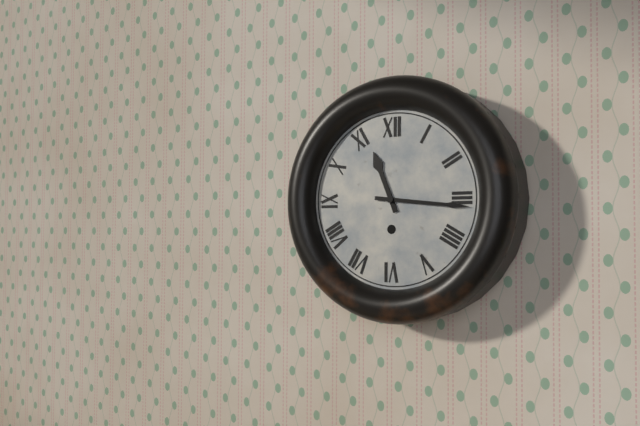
11h16
